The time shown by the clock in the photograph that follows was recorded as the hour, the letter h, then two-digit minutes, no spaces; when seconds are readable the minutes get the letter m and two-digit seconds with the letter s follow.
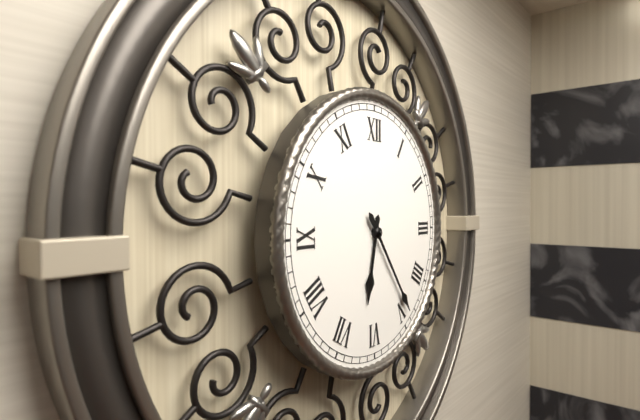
6h24
